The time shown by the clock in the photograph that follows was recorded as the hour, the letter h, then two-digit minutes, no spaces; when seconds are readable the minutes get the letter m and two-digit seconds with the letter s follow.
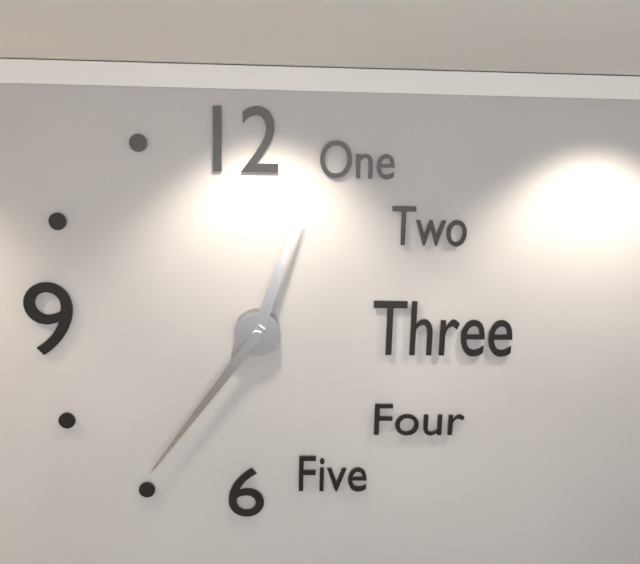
12h36
